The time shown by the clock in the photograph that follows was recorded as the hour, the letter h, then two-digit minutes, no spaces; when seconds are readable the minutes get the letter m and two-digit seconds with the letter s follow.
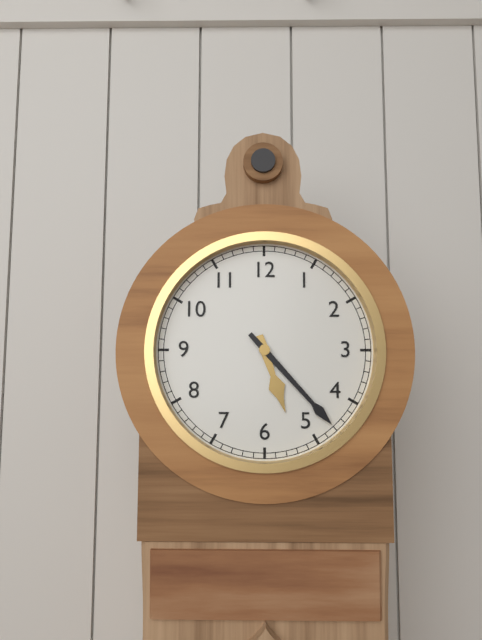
5h23
